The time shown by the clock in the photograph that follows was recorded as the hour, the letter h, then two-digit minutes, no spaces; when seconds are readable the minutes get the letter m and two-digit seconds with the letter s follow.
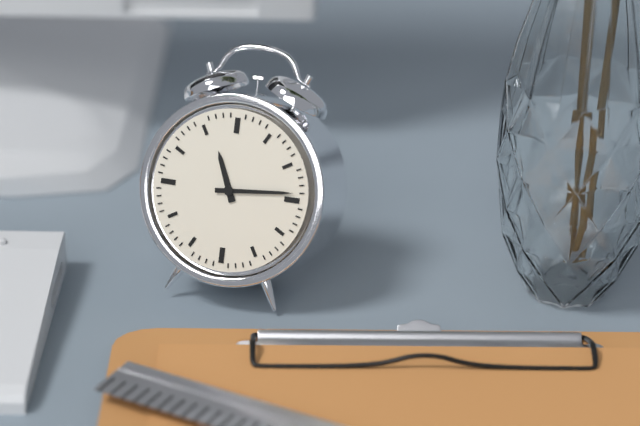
11h14
